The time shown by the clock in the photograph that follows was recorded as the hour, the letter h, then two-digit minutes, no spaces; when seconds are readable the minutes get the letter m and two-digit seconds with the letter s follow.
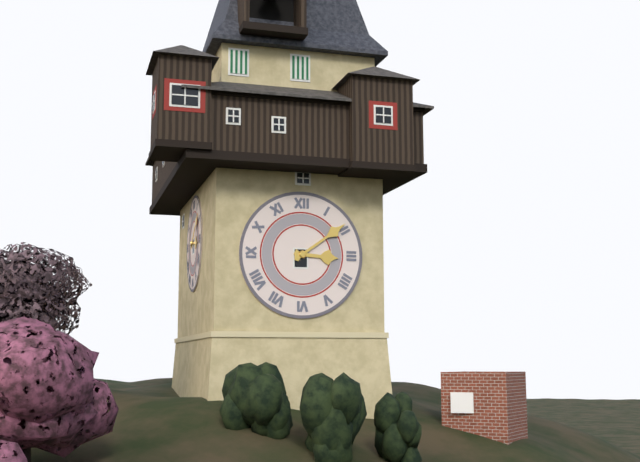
3h09
